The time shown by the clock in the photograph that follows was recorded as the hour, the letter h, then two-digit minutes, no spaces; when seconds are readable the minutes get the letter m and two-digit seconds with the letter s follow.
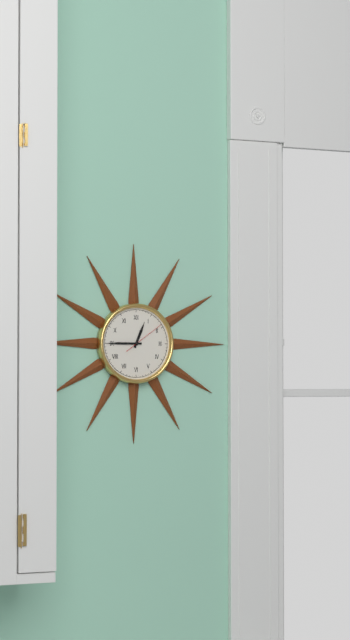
12h45
